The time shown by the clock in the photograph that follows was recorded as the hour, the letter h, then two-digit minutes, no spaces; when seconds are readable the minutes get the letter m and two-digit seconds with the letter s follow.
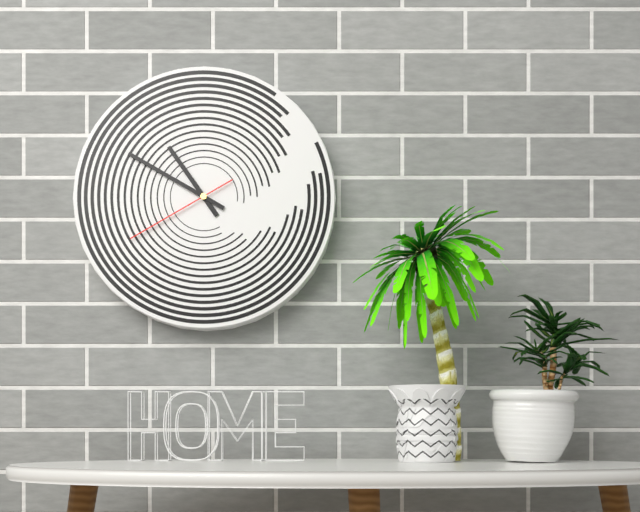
10h50m40s
